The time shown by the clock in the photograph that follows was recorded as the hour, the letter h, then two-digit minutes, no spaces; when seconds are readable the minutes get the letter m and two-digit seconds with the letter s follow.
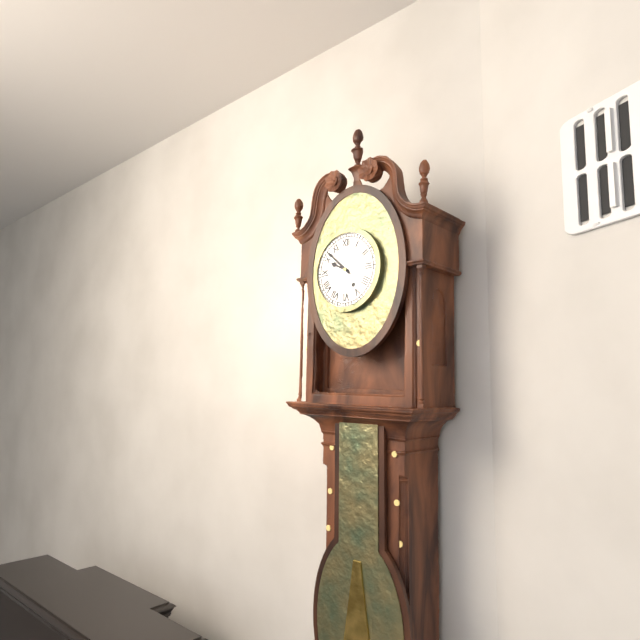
9h52
